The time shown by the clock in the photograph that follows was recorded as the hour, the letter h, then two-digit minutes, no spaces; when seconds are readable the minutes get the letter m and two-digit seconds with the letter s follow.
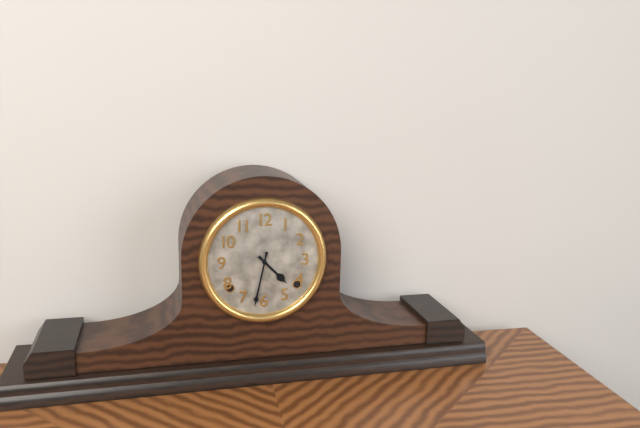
4h32
